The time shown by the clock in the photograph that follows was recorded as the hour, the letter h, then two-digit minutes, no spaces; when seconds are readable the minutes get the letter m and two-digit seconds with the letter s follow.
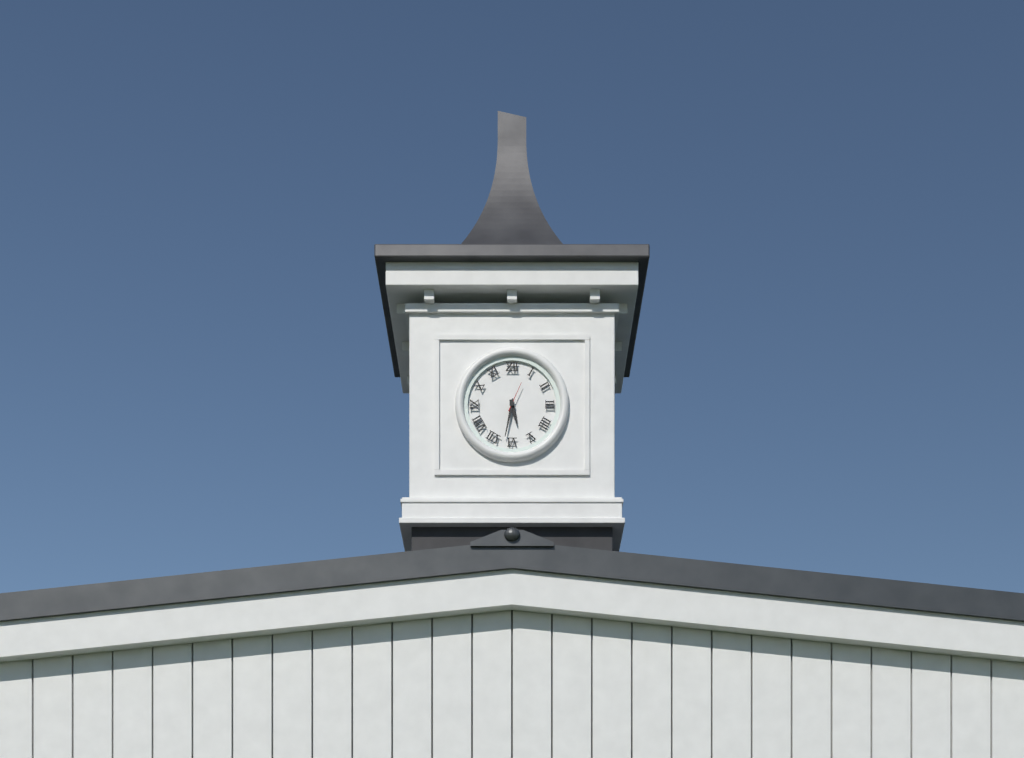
5h32
